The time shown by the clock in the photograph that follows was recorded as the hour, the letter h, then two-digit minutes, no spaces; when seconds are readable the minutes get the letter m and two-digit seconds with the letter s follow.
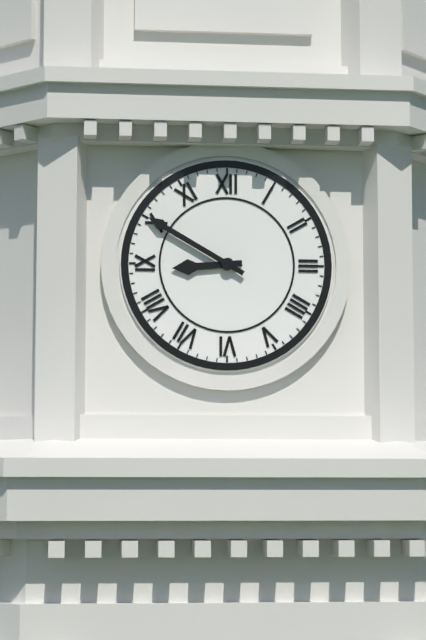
8h50
